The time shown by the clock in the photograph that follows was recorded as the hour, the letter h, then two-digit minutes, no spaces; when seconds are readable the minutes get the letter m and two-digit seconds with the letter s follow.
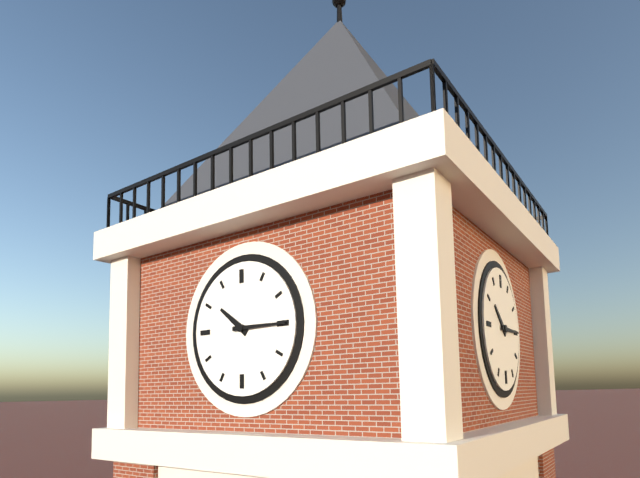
10h15
